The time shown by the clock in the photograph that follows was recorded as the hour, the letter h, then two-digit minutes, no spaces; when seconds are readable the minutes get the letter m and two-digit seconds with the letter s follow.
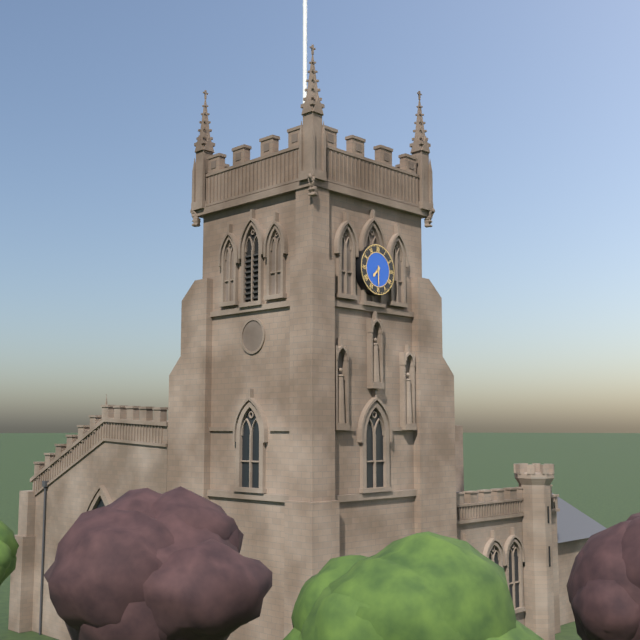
7h30
